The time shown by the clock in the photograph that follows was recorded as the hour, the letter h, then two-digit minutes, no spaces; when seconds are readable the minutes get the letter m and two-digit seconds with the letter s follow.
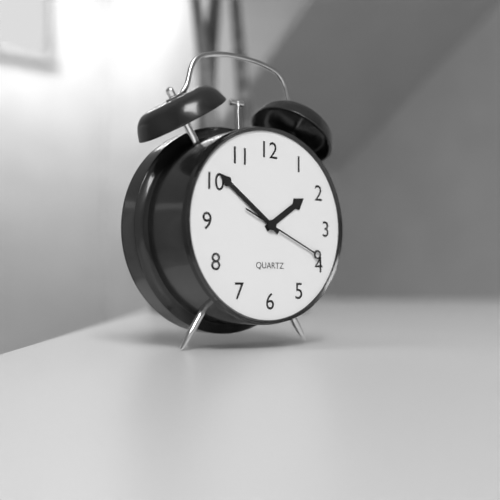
1h51m19s
